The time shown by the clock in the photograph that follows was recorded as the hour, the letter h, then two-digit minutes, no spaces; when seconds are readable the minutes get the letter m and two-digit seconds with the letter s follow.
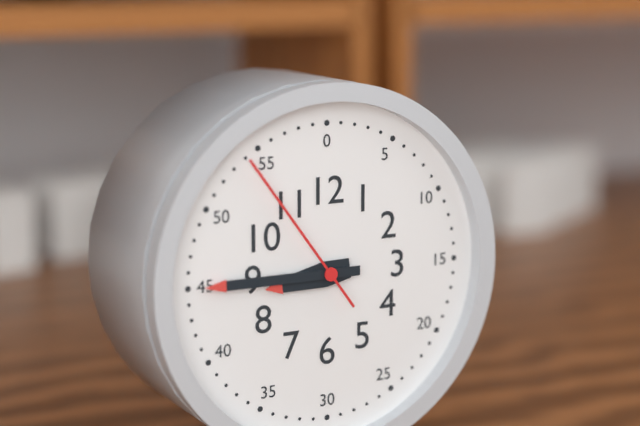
8h45m54s
